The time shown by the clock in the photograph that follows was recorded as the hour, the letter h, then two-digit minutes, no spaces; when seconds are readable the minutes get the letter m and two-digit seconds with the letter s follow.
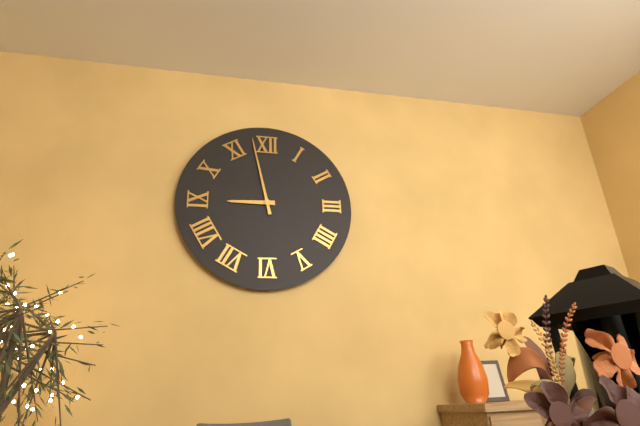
8h58
